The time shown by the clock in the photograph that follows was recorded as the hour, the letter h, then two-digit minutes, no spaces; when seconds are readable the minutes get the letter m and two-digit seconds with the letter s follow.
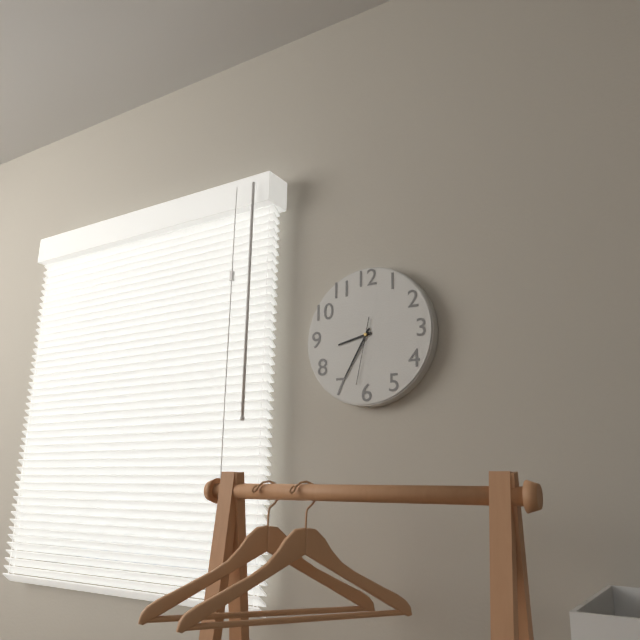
8h35m32s
